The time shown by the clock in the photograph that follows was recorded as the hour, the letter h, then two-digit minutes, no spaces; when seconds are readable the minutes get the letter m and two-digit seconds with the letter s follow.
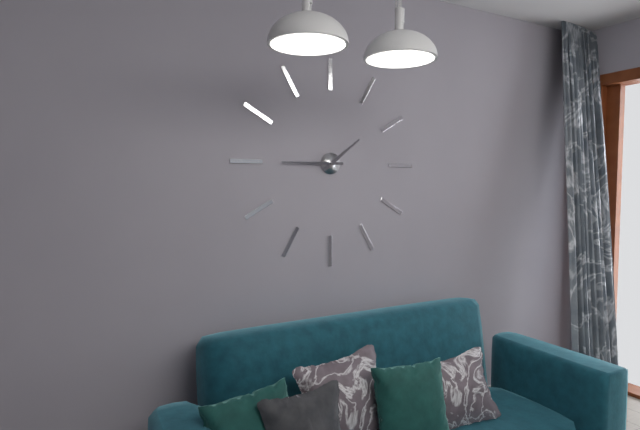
1h45
